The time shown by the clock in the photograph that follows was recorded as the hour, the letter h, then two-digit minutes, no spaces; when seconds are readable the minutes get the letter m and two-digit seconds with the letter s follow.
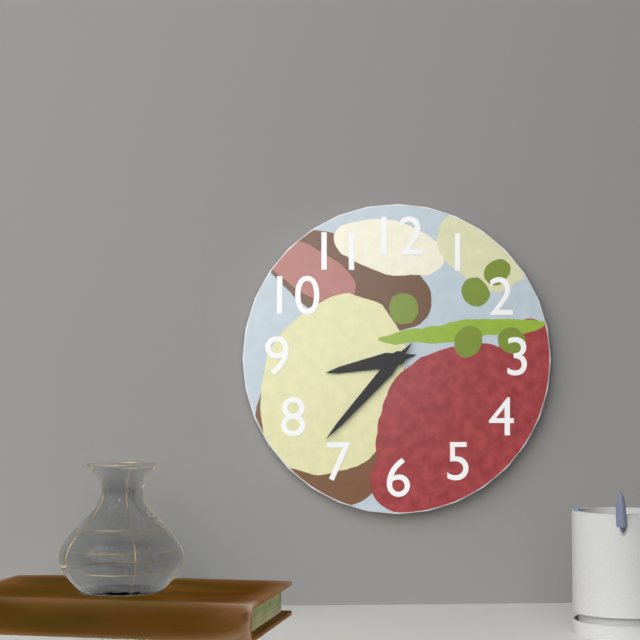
8h37
